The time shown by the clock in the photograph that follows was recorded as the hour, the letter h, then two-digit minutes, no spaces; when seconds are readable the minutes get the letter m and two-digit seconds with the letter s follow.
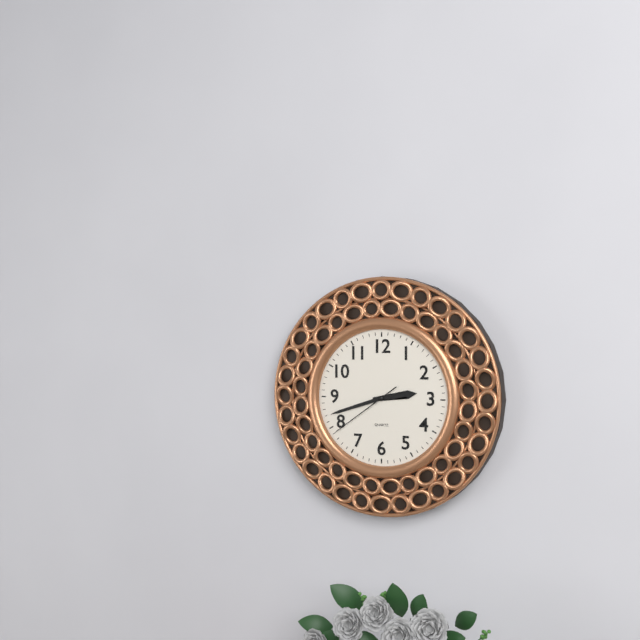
2h42m39s
